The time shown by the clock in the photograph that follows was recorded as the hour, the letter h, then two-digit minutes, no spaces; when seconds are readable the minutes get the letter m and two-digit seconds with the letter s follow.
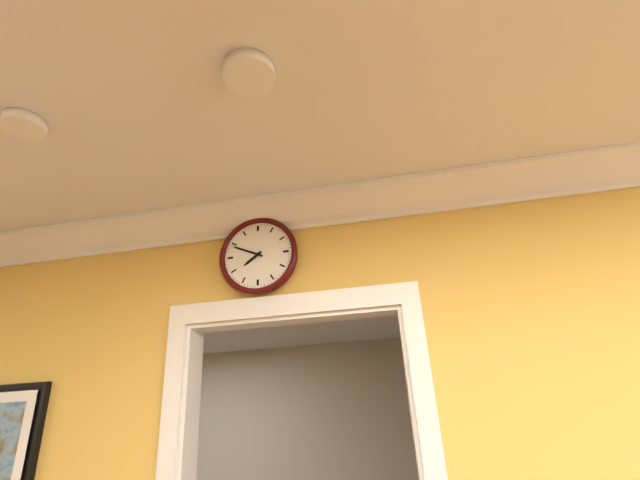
7h49
